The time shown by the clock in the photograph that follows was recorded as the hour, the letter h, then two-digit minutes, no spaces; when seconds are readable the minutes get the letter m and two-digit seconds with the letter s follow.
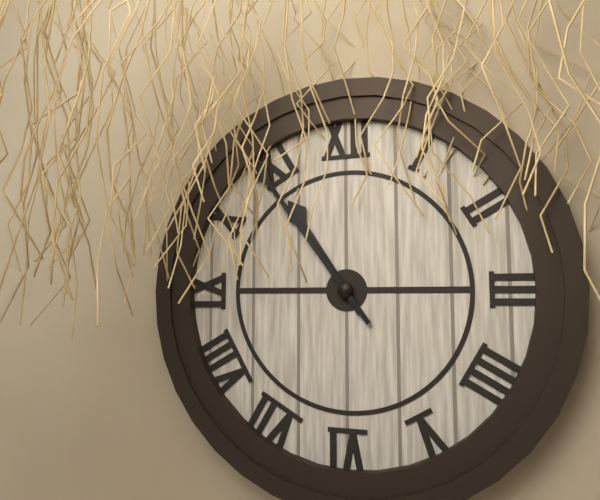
10h54
